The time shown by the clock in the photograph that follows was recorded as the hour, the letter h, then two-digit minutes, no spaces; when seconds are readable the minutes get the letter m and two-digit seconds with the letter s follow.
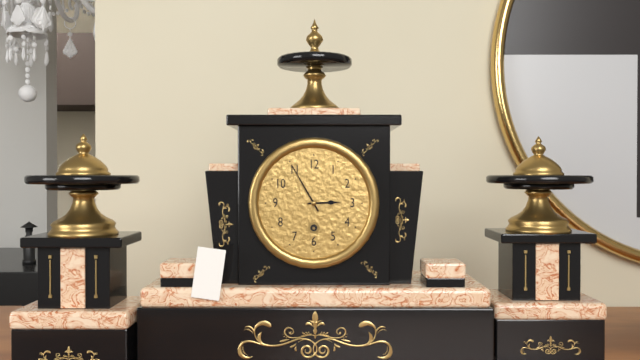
2h55
